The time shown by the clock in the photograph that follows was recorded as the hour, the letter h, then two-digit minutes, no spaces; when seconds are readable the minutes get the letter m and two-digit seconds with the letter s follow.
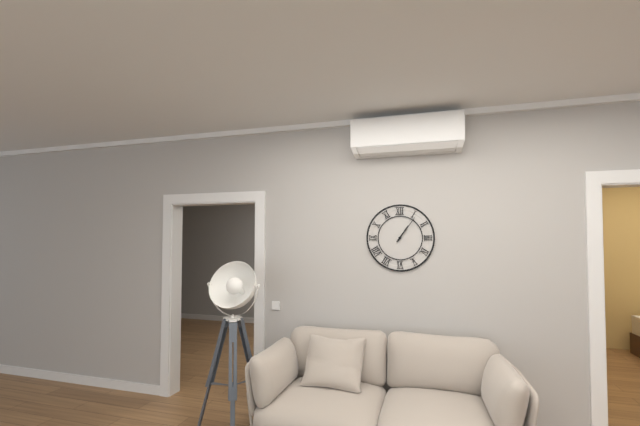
1h06
